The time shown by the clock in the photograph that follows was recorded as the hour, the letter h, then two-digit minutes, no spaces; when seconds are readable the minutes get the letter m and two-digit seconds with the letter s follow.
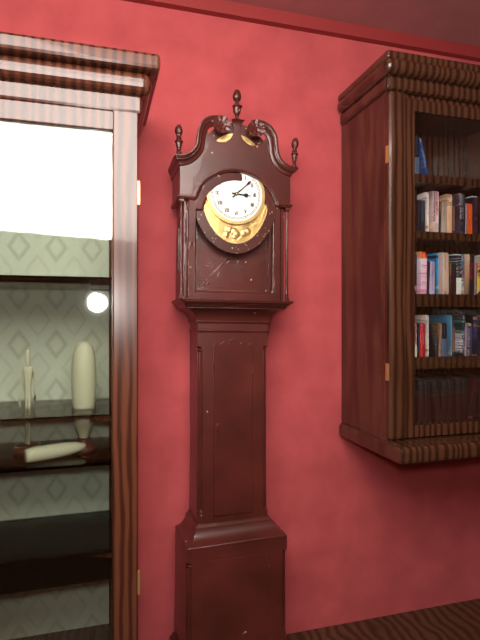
3h08
